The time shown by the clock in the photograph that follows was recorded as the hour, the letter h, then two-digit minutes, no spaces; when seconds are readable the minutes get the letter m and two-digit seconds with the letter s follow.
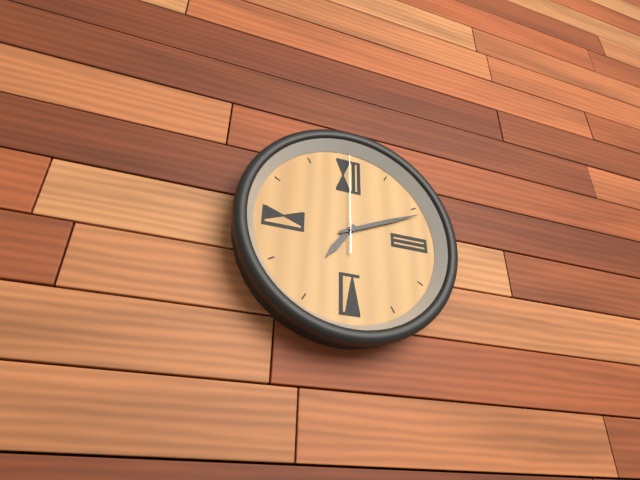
7h11m00s
